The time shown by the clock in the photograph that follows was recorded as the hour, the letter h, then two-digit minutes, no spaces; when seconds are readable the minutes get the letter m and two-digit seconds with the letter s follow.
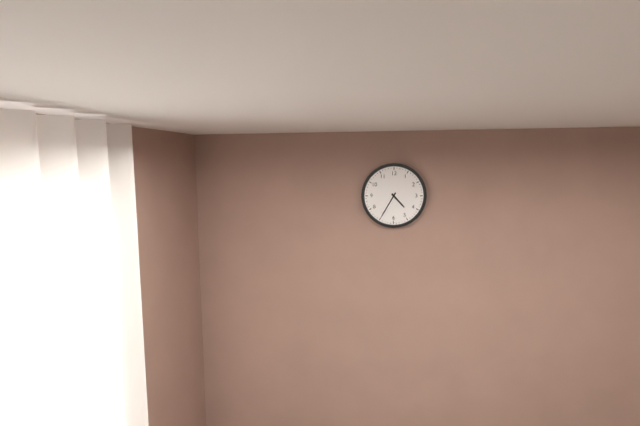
4h35
